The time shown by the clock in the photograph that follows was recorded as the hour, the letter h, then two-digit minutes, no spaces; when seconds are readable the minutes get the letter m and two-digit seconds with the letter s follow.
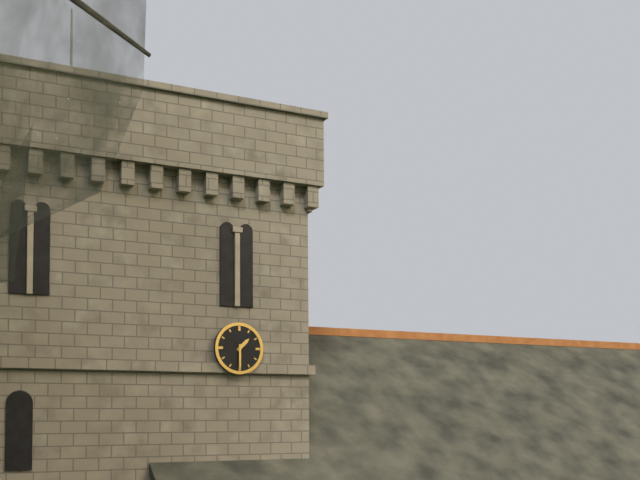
1h30
